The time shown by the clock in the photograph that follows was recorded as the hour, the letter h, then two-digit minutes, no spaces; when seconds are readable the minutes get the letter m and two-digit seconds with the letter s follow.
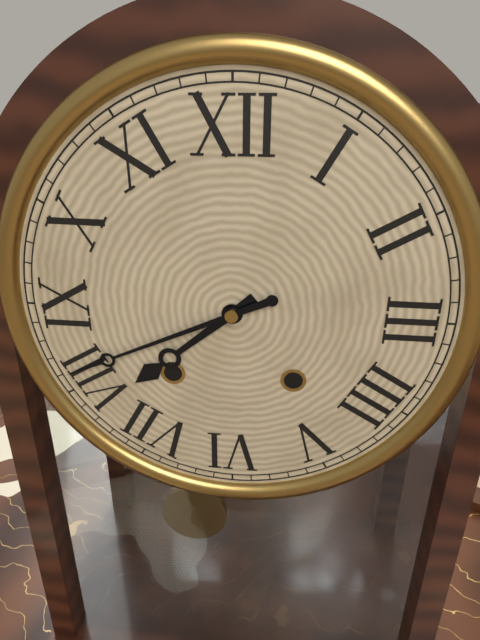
7h41
